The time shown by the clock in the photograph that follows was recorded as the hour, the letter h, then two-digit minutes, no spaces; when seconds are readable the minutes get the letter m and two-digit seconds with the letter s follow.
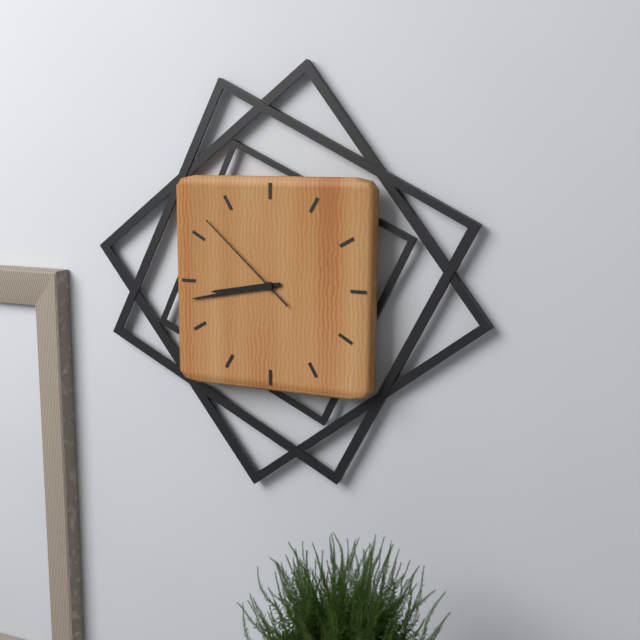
8h43m52s
